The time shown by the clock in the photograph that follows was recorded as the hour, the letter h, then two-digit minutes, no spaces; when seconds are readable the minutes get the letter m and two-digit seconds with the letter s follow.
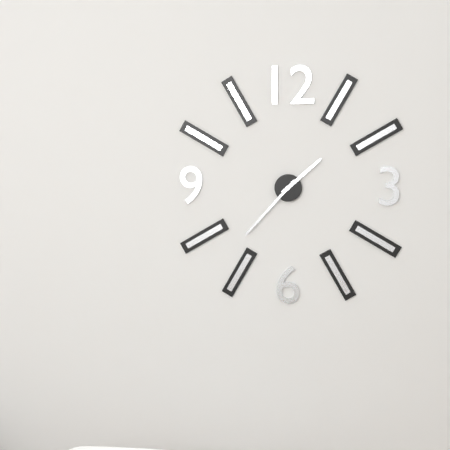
1h37
